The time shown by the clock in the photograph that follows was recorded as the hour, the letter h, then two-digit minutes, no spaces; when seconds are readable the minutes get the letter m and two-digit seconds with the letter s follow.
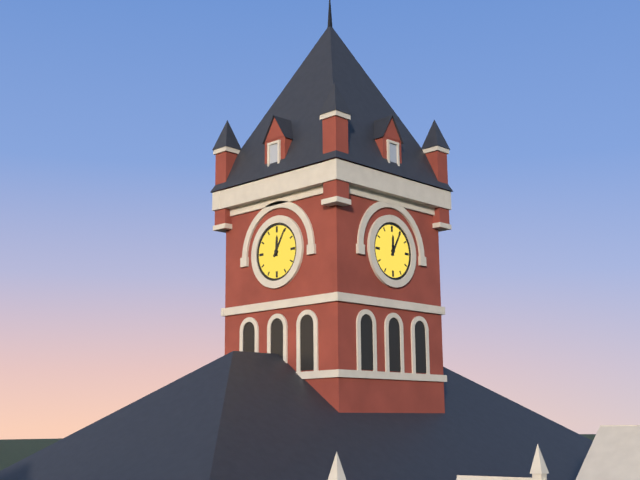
12h05
